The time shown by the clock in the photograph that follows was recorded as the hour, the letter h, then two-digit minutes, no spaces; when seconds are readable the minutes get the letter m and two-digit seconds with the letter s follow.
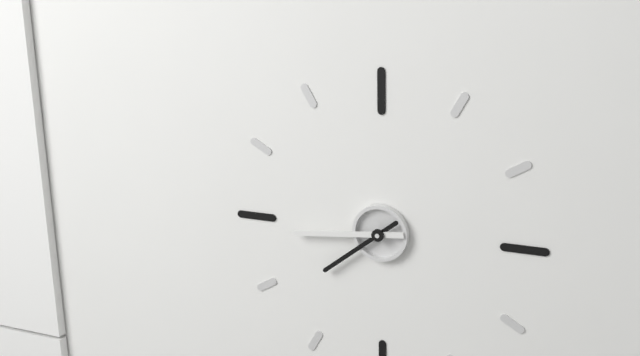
7h44
